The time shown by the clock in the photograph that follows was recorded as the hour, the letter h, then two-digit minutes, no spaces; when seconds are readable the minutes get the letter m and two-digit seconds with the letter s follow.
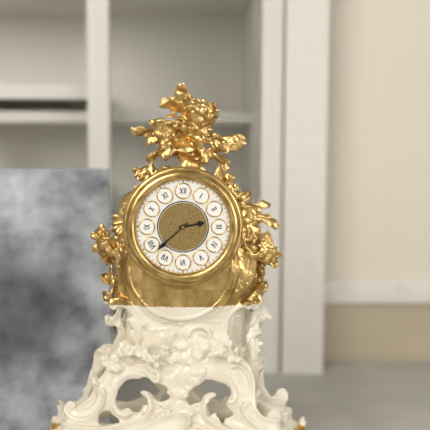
2h38
